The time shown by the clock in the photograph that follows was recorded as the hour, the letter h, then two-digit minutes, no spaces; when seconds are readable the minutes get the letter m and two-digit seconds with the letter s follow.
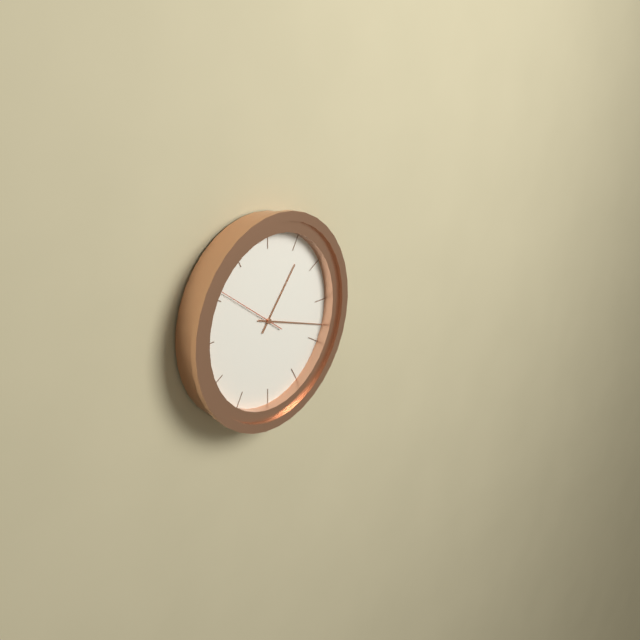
1h18m51s
